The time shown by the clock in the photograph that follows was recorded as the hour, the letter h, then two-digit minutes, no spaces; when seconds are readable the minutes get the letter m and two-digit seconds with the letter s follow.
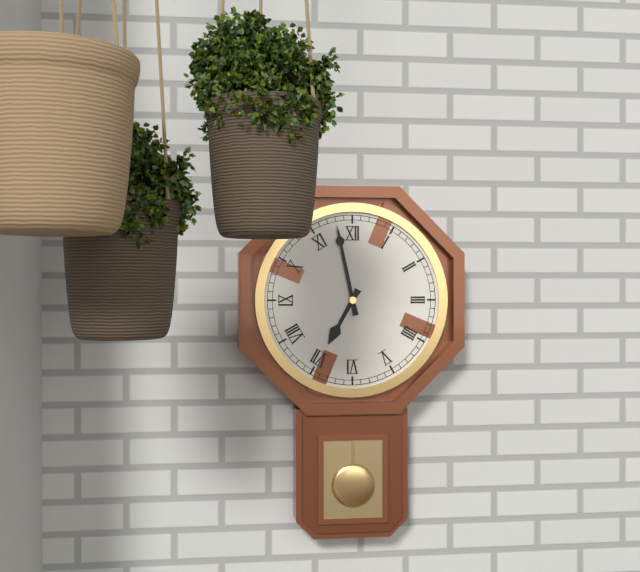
6h58
